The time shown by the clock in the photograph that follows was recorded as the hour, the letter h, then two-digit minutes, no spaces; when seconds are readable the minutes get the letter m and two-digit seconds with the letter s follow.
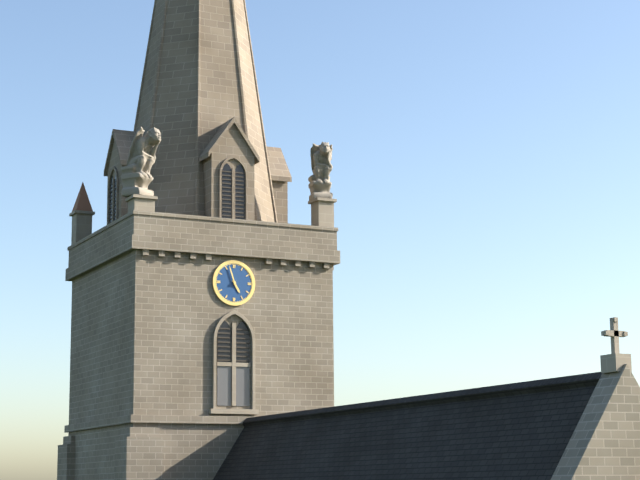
4h57
